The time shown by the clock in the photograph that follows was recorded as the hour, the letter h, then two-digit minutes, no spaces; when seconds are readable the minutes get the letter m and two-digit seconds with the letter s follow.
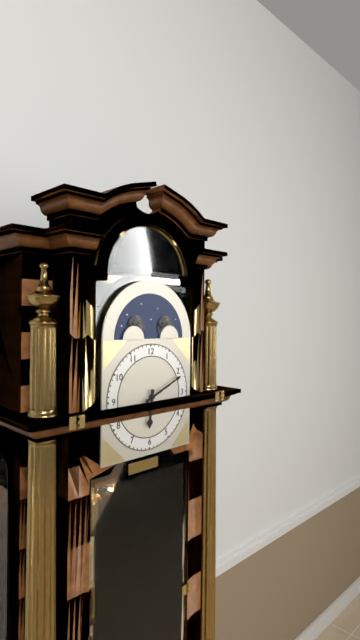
6h11
